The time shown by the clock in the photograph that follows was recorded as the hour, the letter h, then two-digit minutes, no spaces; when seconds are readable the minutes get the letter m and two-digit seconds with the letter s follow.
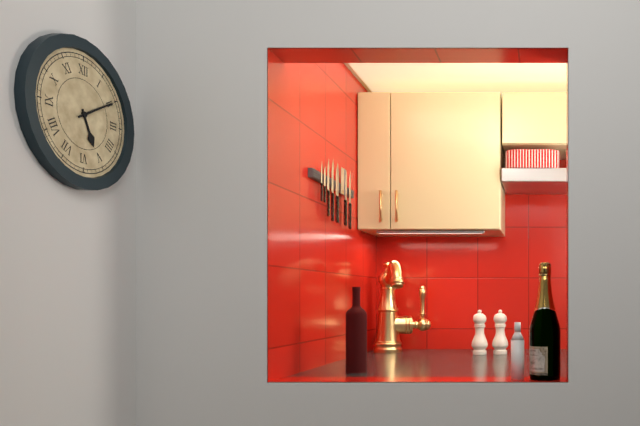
5h10
